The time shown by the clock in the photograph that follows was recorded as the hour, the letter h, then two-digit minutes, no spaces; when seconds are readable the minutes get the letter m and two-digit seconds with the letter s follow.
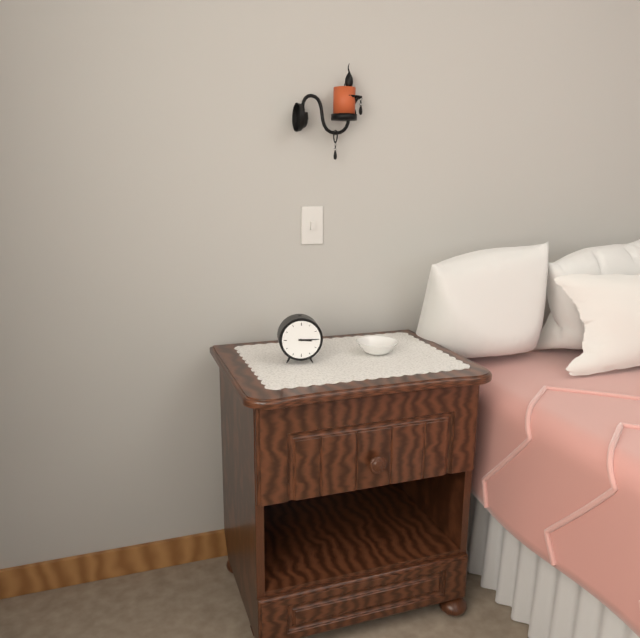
3h15
